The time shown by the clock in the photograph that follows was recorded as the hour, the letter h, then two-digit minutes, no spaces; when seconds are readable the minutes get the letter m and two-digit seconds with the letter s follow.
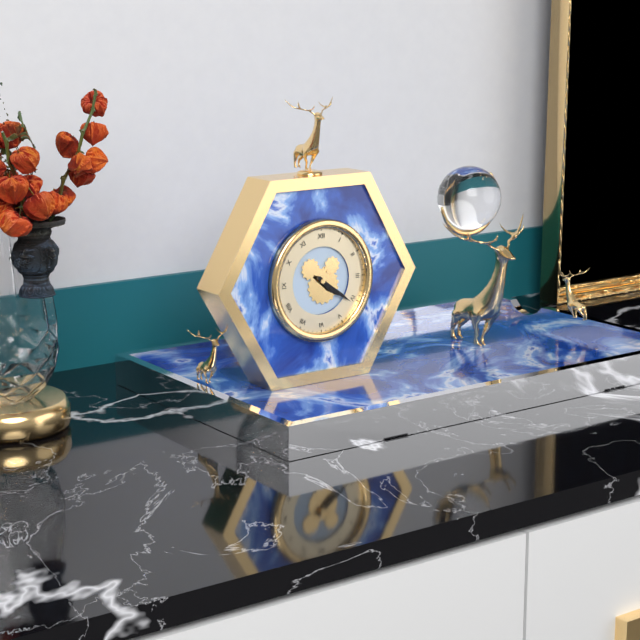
4h21
